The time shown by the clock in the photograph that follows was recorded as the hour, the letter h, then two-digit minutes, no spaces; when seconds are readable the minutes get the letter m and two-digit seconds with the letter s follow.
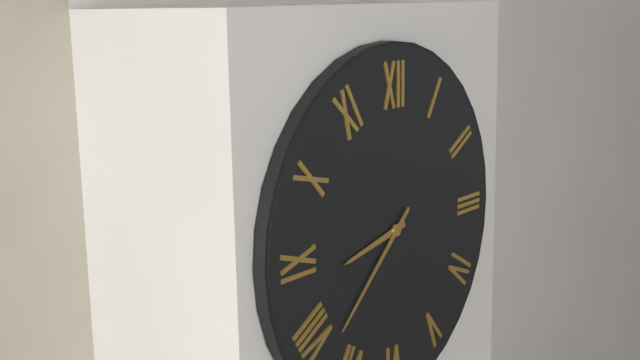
8h38
